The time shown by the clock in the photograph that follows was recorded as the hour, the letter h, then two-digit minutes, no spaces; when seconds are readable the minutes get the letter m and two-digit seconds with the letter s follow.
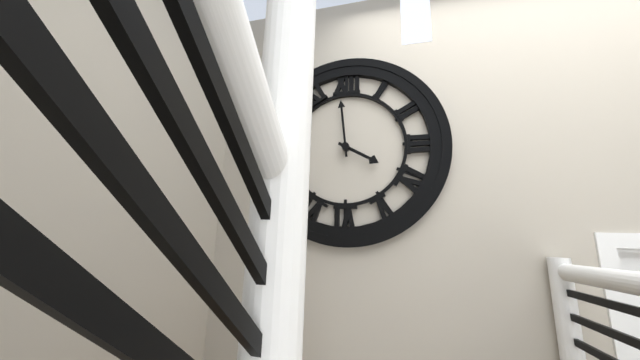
3h59
